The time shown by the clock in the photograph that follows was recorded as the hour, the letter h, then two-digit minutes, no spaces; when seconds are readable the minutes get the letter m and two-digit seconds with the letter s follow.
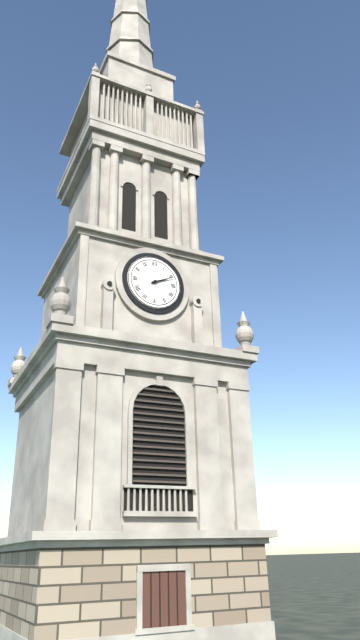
2h11
